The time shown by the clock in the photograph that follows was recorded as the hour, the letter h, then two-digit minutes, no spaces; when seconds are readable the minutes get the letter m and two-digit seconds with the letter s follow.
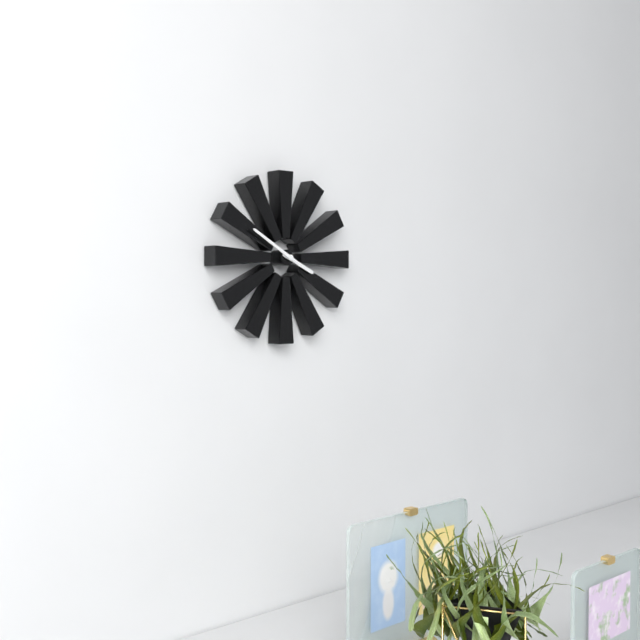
3h50
